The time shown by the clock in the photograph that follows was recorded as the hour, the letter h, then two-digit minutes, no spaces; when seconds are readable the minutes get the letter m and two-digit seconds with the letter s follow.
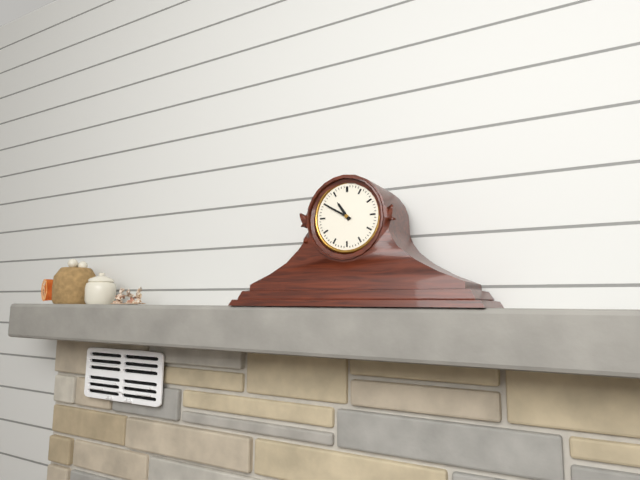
10h50
